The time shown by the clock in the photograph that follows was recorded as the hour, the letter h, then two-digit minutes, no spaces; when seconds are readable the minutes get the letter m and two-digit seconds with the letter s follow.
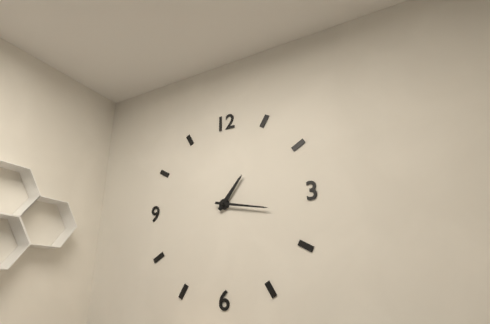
1h17
